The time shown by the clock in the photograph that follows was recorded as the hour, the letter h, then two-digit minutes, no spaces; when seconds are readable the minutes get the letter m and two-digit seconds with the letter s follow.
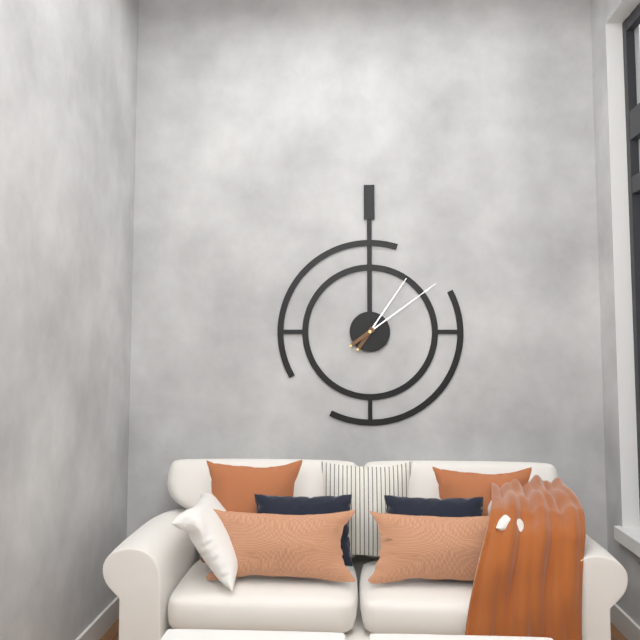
1h09
